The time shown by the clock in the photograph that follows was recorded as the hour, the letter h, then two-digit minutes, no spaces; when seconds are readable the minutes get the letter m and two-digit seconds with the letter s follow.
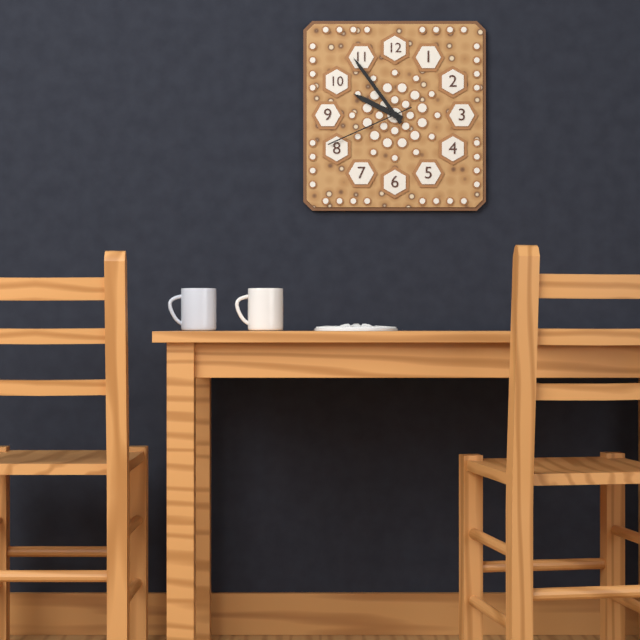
9h54m41s
